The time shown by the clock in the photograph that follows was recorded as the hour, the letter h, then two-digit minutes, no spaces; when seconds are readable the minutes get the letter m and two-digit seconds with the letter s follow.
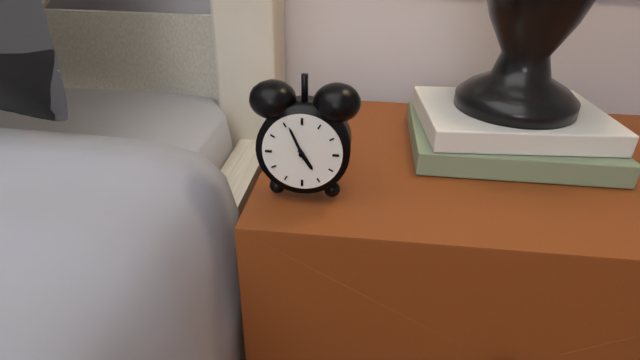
4h56
